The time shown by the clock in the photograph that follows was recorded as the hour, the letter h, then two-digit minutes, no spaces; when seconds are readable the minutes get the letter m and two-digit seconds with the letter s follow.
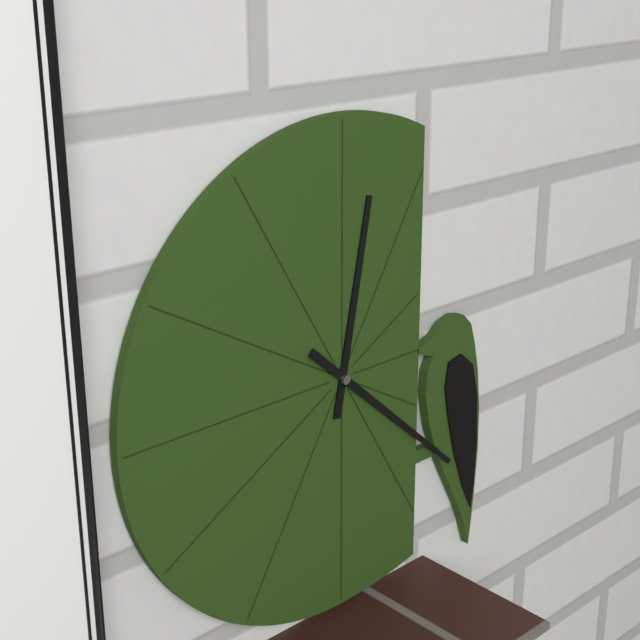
12h22
